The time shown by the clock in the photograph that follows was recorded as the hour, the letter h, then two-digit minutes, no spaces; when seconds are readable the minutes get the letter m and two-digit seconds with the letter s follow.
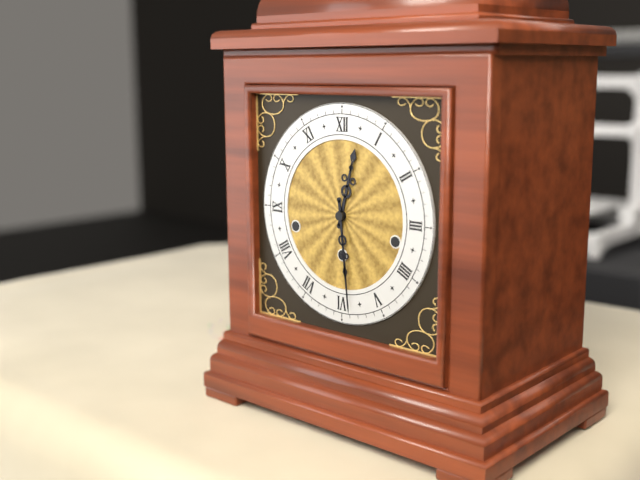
12h29
